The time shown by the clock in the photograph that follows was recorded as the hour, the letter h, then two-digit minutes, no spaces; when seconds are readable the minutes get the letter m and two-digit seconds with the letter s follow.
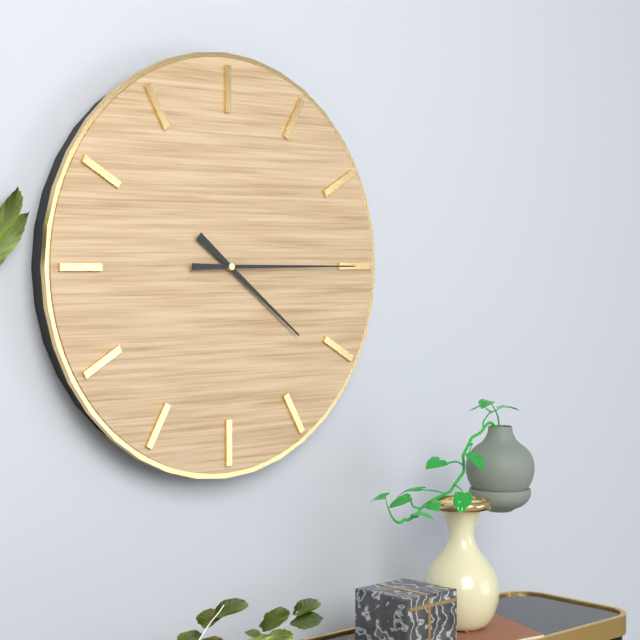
4h15
